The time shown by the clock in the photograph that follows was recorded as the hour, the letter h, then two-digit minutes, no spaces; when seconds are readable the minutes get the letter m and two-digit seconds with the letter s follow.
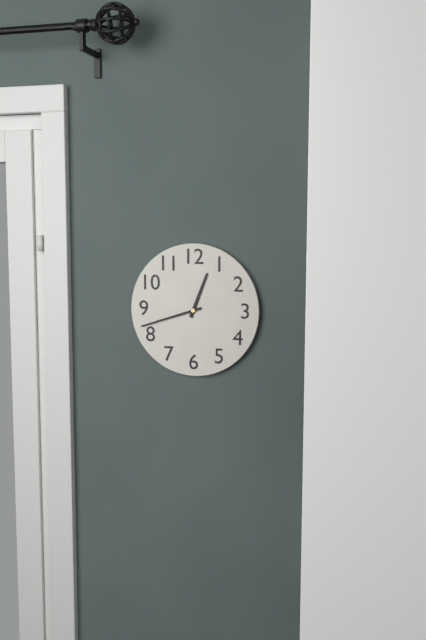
12h42
